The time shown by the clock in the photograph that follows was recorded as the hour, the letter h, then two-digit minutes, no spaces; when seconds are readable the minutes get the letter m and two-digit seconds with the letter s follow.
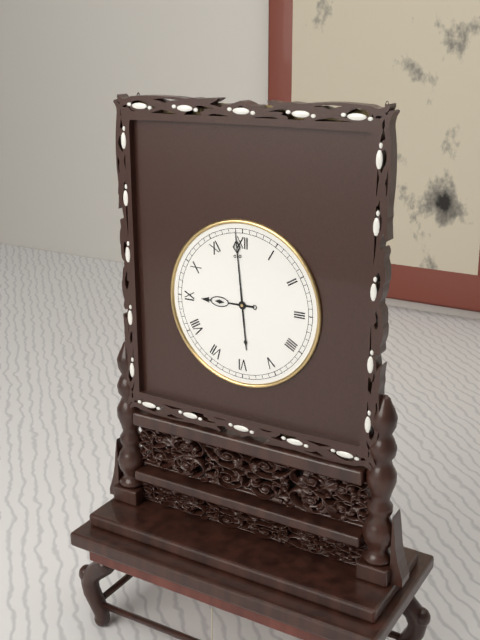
8h59
